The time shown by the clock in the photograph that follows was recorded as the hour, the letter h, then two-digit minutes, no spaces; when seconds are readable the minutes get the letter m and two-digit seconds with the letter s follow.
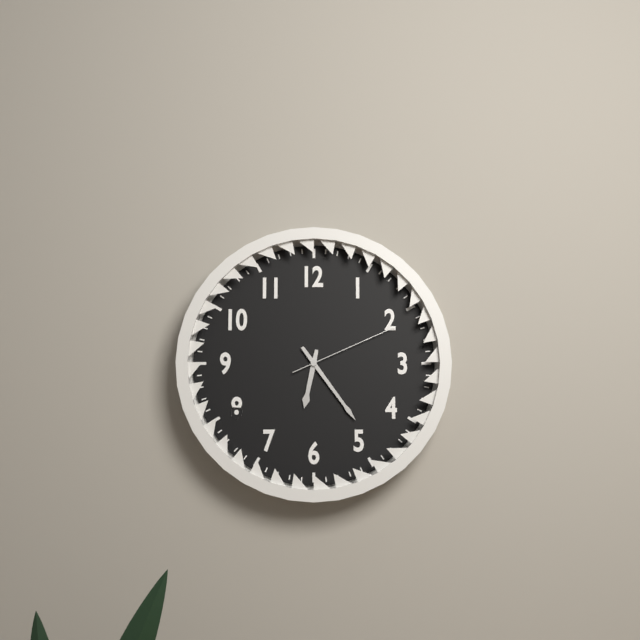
6h24m11s
